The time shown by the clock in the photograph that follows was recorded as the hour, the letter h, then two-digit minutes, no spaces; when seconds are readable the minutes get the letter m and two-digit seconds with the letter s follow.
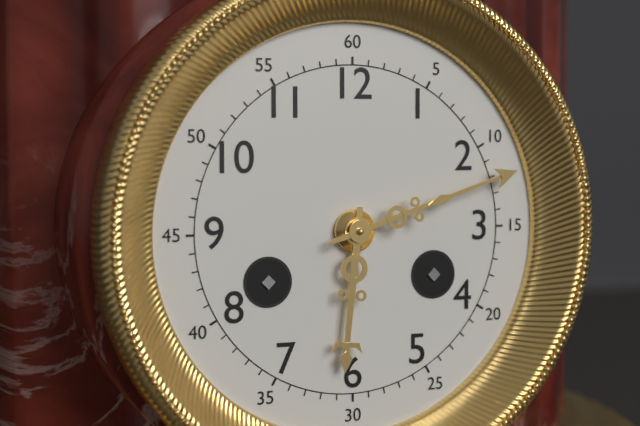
6h12
